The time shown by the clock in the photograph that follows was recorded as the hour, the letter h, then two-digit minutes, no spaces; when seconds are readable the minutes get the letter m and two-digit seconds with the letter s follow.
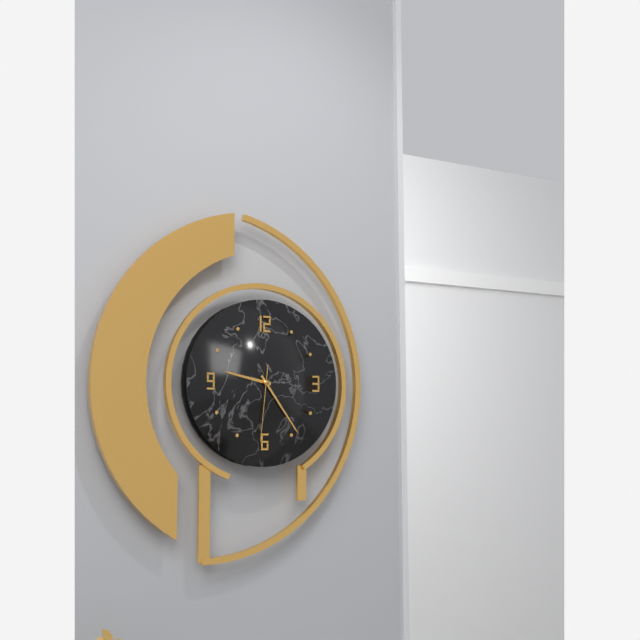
9h24m31s
